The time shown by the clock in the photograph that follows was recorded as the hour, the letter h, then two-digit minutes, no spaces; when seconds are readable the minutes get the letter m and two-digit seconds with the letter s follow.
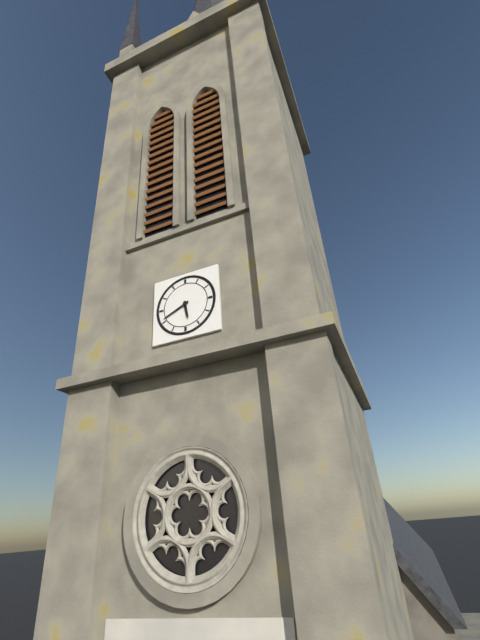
5h41
